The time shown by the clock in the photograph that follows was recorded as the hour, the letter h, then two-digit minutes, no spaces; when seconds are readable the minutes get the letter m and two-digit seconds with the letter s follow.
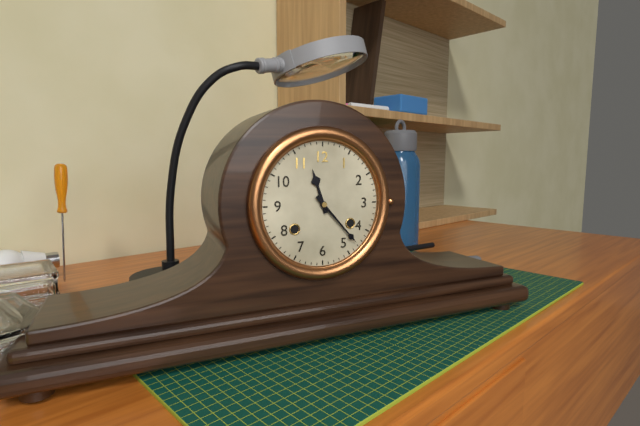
11h23
